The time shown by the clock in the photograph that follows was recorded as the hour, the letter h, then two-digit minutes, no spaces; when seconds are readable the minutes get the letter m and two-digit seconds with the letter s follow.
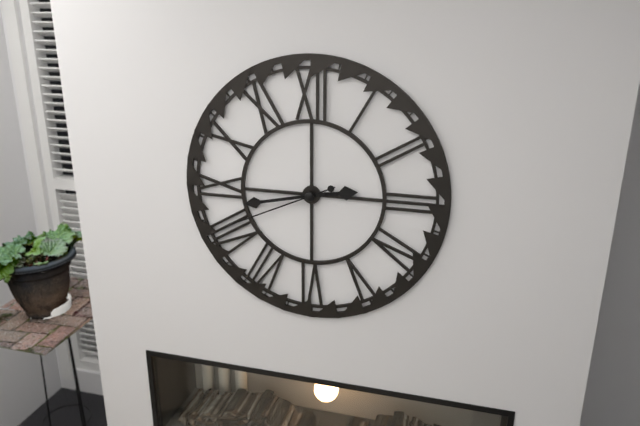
2h43m41s
